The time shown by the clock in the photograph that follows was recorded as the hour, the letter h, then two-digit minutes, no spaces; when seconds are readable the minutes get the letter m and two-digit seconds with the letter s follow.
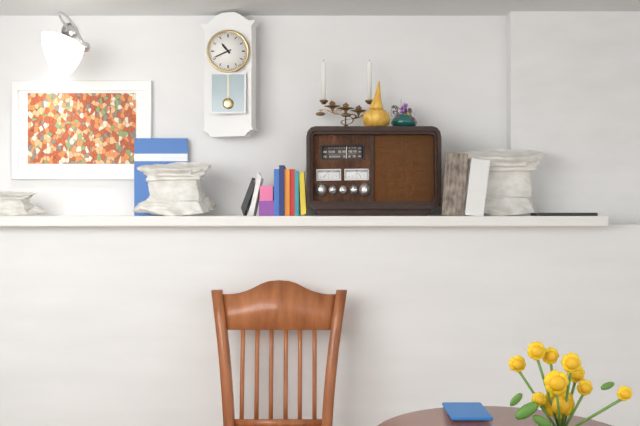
10h41
